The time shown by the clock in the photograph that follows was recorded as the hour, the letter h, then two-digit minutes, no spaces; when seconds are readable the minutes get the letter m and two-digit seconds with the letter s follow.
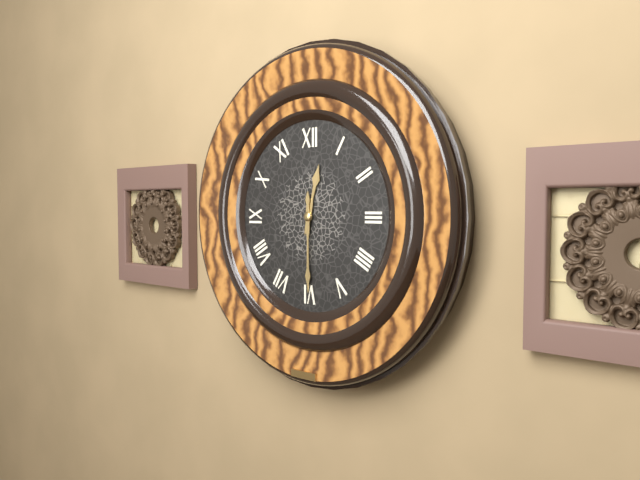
12h30
